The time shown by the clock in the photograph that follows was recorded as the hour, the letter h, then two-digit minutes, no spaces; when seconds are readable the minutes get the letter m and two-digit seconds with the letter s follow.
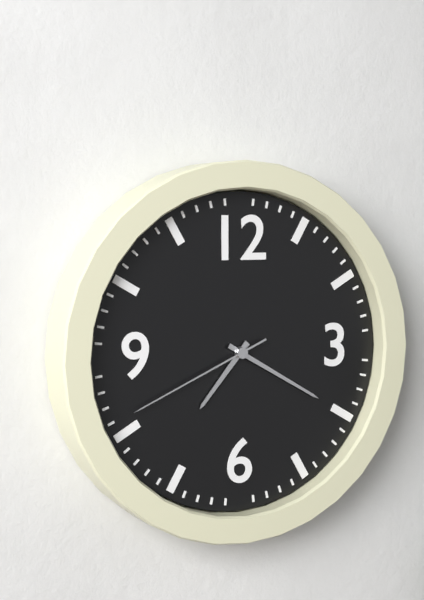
7h20m41s
